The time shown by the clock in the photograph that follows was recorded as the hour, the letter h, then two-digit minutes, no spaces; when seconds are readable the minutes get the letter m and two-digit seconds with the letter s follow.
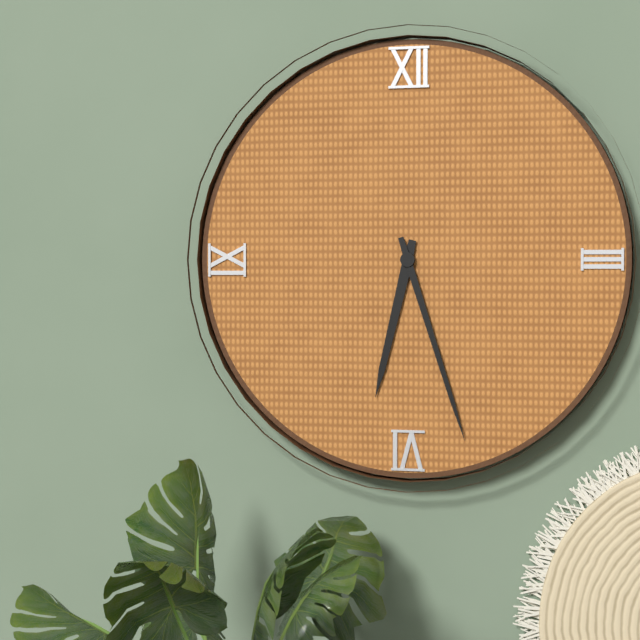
6h27
